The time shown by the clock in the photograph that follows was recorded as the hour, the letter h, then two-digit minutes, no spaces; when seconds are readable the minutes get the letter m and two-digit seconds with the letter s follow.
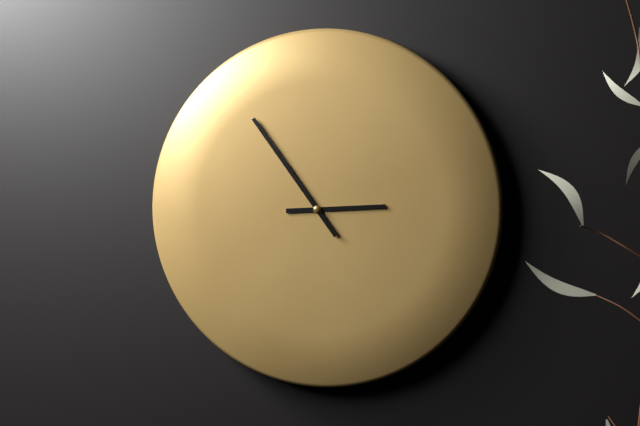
2h54
